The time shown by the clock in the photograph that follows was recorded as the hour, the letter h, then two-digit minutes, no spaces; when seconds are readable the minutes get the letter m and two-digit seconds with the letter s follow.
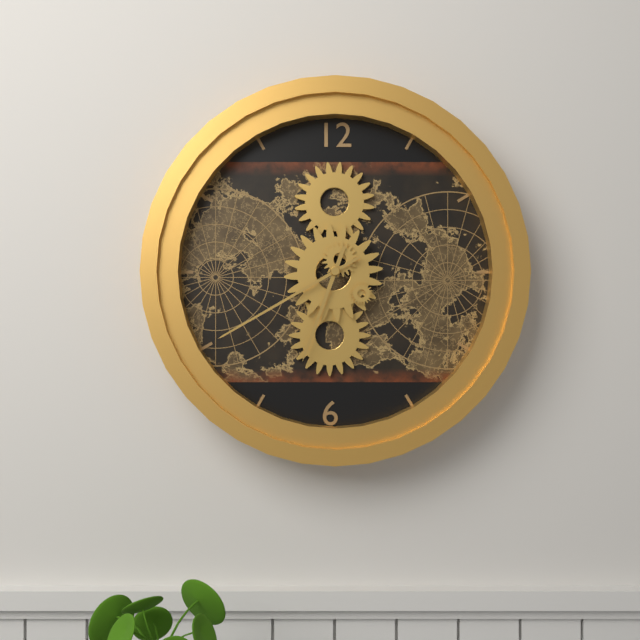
6h40
